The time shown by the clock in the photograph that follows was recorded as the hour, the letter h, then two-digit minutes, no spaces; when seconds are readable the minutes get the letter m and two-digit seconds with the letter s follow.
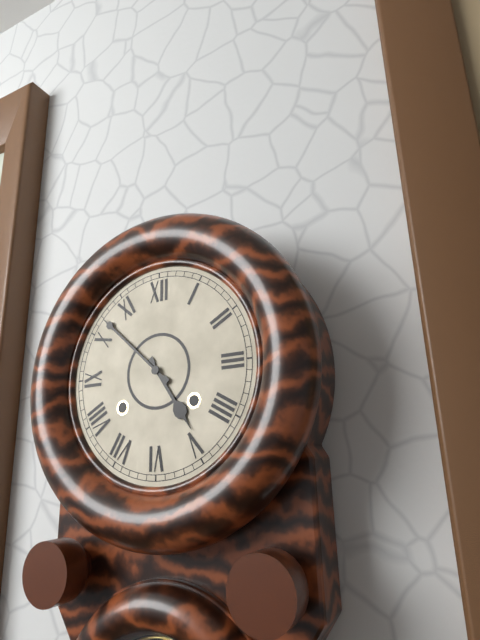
4h52
